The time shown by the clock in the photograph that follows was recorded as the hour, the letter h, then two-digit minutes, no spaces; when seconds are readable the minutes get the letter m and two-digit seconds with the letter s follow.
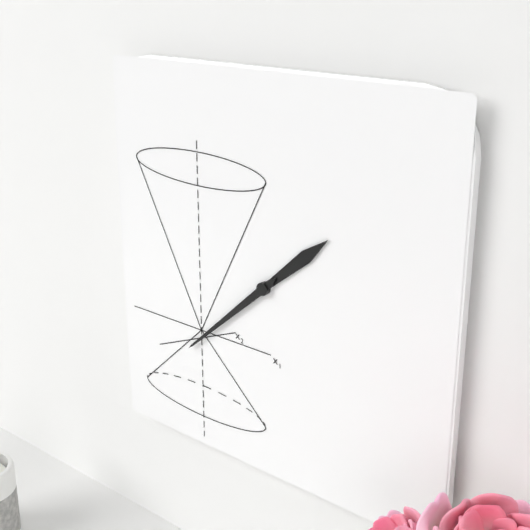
1h38
